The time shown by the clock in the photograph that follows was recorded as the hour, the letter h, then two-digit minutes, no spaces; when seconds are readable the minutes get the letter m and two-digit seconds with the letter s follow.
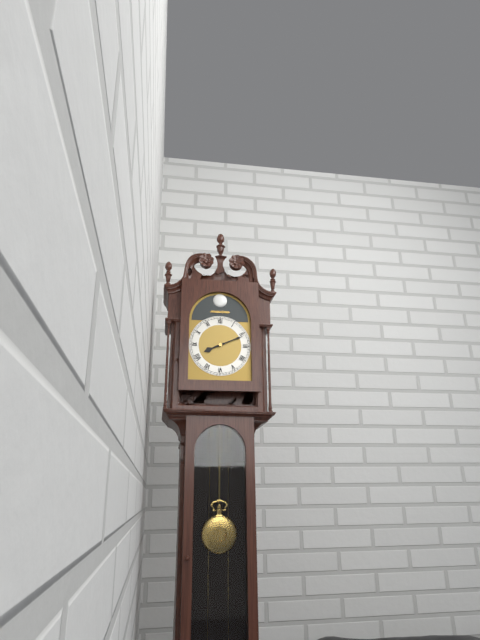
8h11
